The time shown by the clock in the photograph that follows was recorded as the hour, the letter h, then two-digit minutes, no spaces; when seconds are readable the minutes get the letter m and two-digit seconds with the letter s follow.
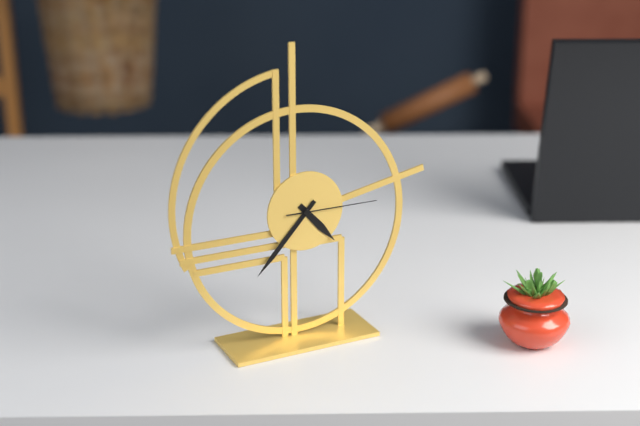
4h37m15s
